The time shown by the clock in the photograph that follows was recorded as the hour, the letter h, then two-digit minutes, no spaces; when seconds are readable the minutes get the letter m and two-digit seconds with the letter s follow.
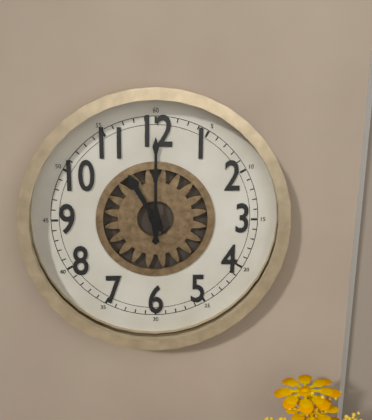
11h00
